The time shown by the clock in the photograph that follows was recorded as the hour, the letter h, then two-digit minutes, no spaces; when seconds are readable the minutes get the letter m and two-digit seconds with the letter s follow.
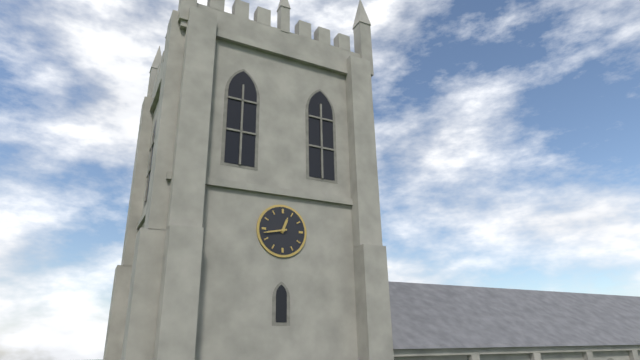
12h43
